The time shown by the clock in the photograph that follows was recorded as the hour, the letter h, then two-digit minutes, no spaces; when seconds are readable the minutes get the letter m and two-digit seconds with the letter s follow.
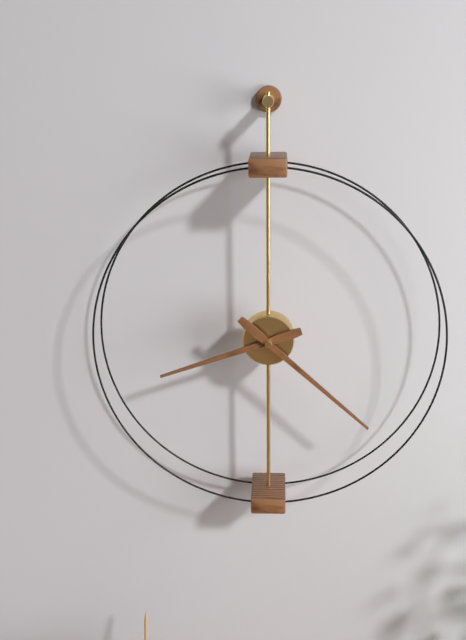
8h22
